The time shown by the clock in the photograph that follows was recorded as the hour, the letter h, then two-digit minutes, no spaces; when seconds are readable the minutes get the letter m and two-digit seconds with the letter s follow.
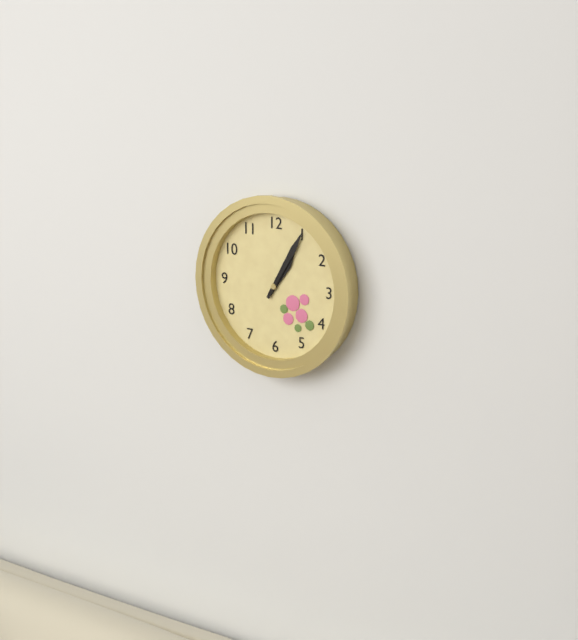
1h05
